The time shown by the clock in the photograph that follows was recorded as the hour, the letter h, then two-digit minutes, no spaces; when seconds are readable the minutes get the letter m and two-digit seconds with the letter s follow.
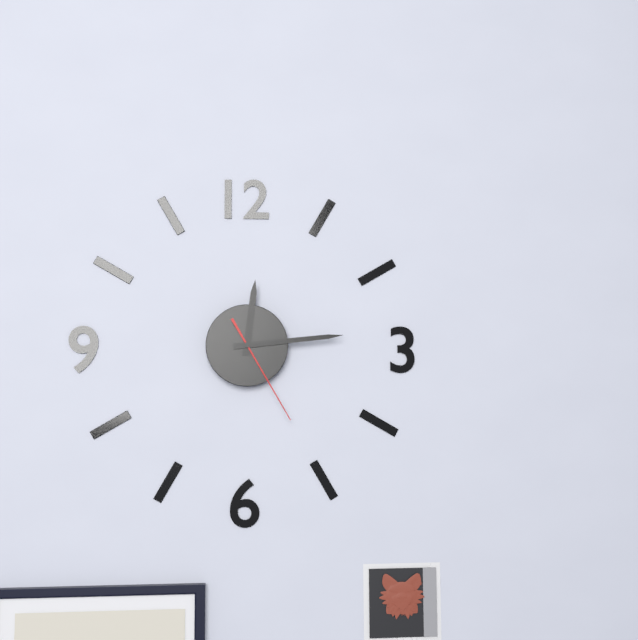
12h14m25s
